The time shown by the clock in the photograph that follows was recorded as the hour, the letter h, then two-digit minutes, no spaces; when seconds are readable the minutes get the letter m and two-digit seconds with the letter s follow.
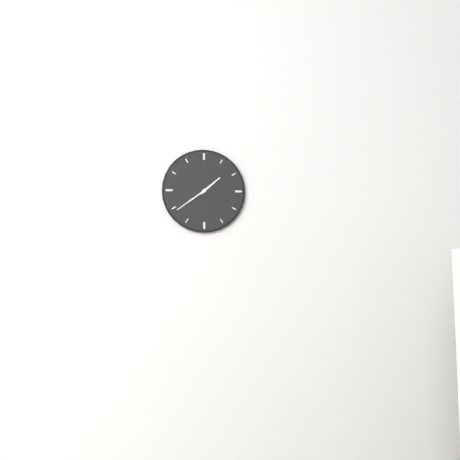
1h39
